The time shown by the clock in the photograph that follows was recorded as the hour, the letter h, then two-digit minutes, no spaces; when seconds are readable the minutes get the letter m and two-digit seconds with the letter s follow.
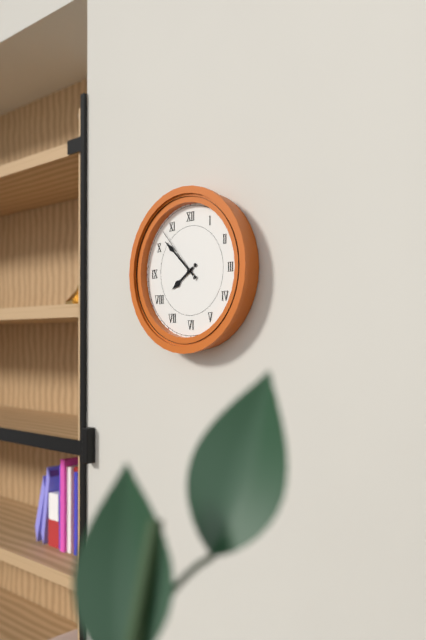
7h52m53s
